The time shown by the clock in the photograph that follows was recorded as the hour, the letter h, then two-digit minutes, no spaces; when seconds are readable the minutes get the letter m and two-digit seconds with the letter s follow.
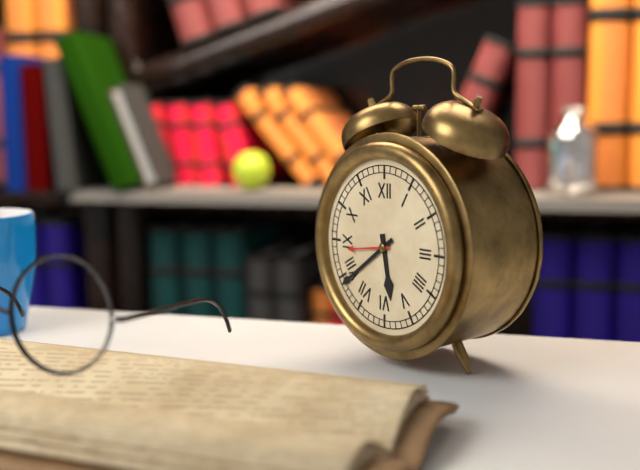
5h39
